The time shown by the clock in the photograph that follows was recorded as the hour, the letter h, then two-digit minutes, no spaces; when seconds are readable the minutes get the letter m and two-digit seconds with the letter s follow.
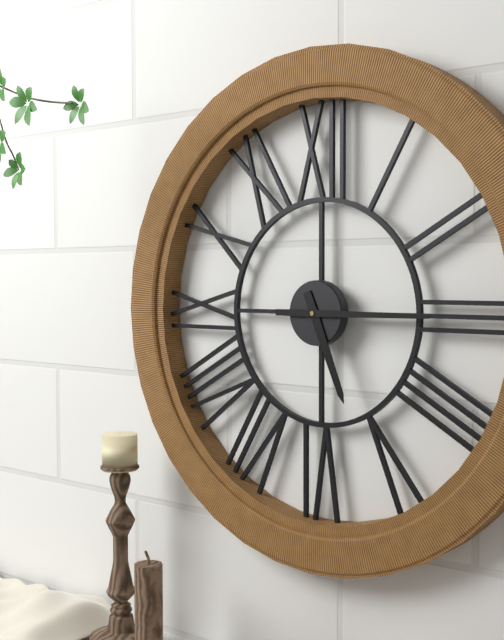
5h15
